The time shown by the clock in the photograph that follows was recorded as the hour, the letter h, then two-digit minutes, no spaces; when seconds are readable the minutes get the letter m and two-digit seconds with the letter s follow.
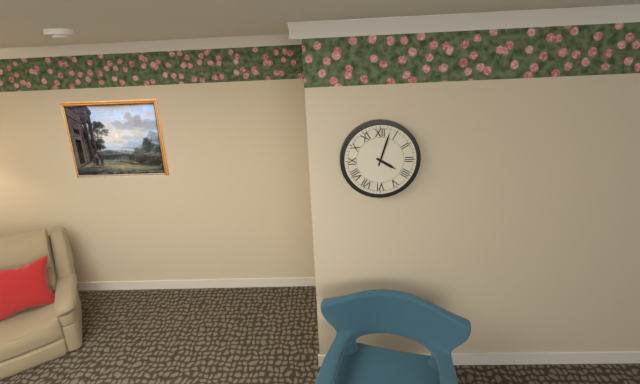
4h03
